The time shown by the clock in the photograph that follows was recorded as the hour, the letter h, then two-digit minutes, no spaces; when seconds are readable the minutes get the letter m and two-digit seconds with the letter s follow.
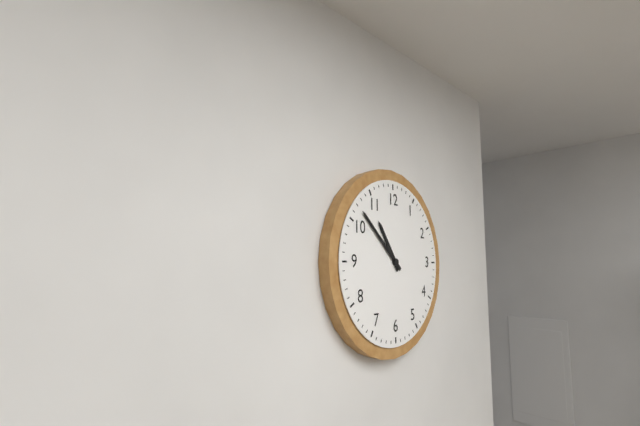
10h52
